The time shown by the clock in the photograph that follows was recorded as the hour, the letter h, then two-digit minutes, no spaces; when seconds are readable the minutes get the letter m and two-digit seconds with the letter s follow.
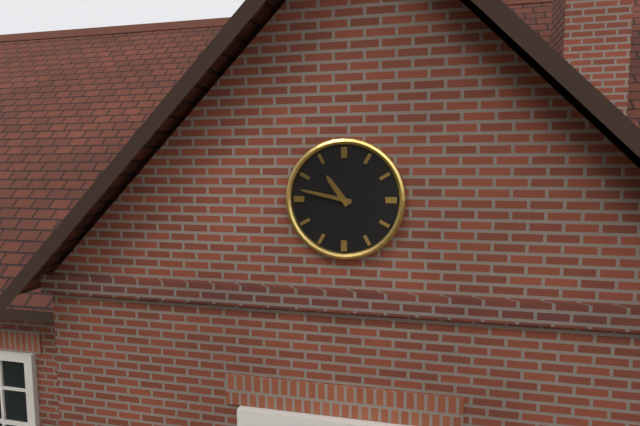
10h47
